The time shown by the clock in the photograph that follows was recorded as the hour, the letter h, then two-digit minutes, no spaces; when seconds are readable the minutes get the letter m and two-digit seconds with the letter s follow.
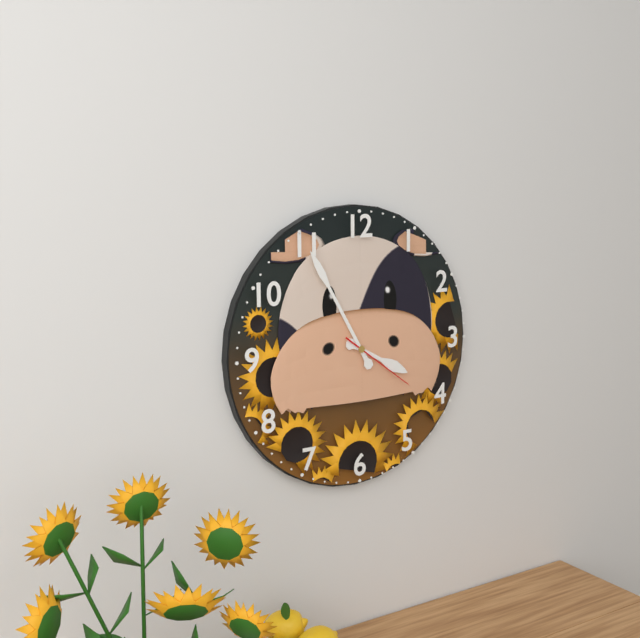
3h55m21s
